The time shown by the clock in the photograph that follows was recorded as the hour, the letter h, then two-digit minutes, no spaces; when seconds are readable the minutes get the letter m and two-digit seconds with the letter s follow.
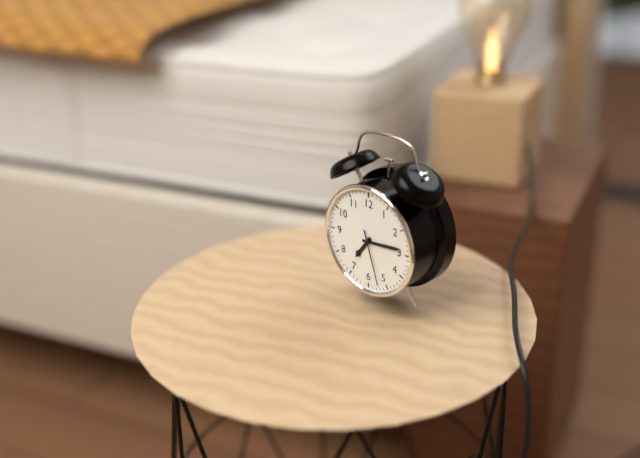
7h14m27s
